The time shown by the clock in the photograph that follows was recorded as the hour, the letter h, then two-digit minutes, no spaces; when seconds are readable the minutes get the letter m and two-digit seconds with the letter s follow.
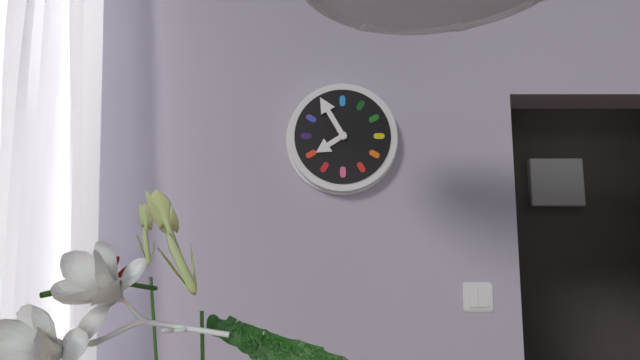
7h55
